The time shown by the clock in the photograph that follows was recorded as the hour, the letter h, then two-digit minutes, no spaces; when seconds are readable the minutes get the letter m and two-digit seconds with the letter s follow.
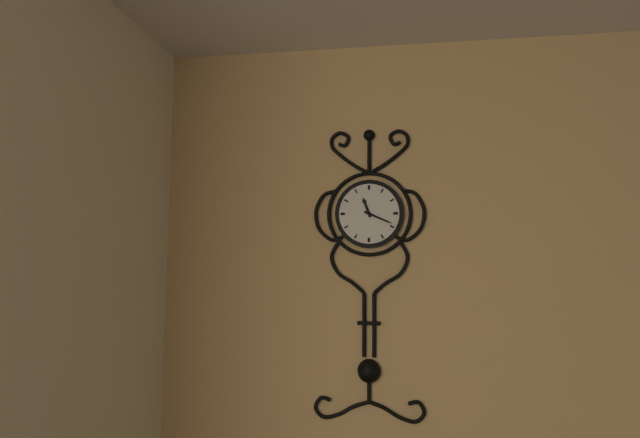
11h19
